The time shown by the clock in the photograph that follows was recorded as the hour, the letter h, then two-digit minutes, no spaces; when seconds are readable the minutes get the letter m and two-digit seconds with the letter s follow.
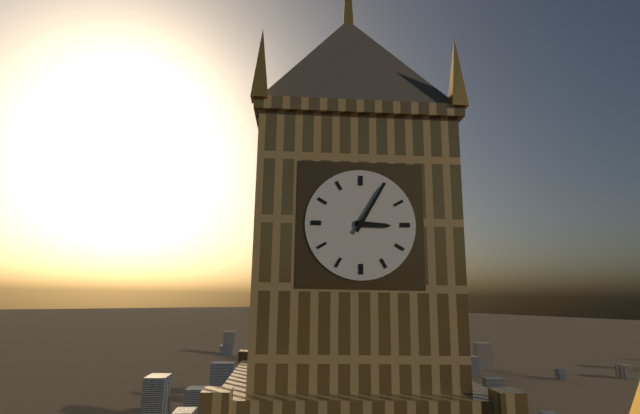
3h05
